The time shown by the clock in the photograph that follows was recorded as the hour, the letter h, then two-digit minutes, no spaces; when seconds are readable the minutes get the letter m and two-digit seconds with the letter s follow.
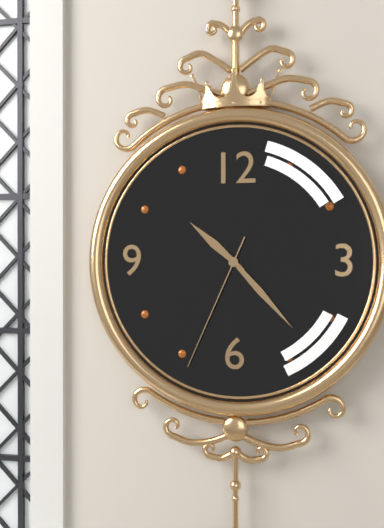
10h23m34s
